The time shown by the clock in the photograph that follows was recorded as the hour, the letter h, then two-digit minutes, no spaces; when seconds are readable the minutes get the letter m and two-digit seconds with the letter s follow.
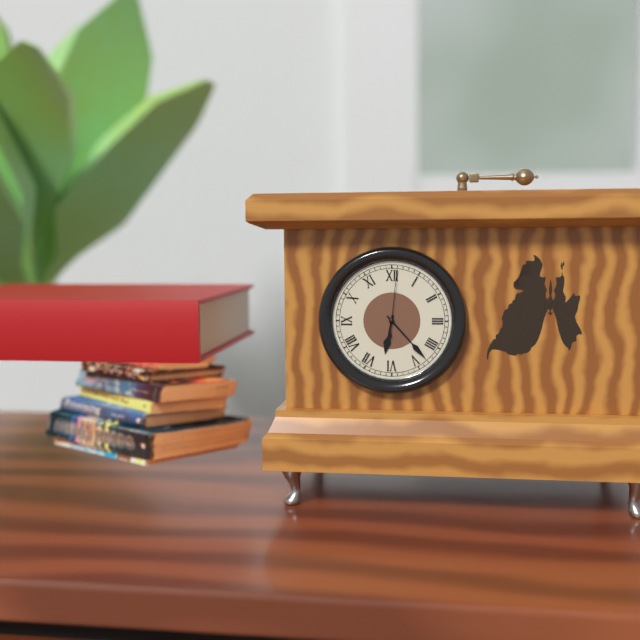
6h23m01s
